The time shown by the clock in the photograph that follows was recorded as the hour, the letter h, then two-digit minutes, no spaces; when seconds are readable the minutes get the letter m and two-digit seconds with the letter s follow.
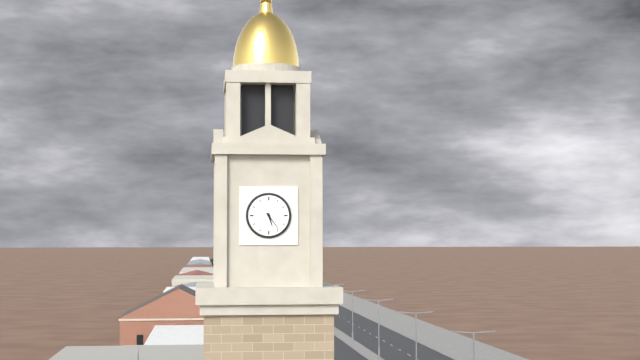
5h24
